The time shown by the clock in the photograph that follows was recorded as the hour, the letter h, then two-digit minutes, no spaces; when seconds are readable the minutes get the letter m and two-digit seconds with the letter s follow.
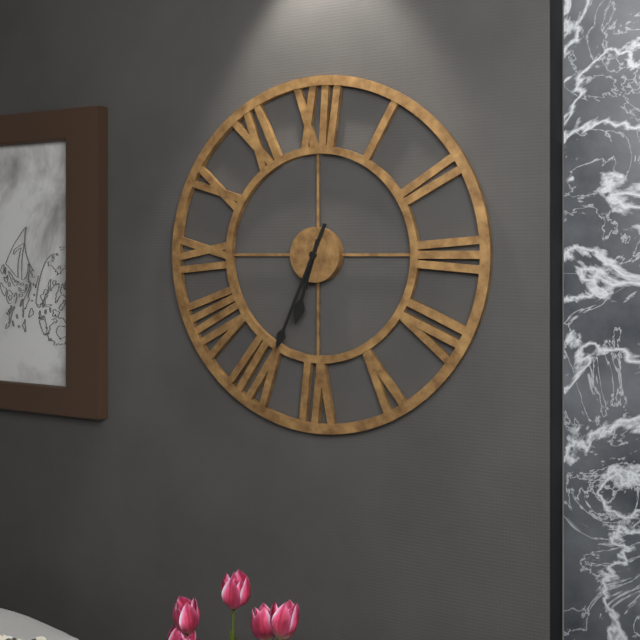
6h34
